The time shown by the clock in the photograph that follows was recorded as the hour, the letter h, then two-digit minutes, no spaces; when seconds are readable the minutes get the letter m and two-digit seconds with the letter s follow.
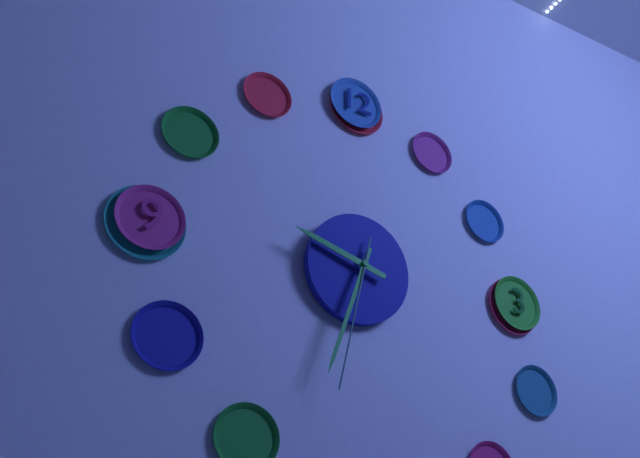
9h33m32s
